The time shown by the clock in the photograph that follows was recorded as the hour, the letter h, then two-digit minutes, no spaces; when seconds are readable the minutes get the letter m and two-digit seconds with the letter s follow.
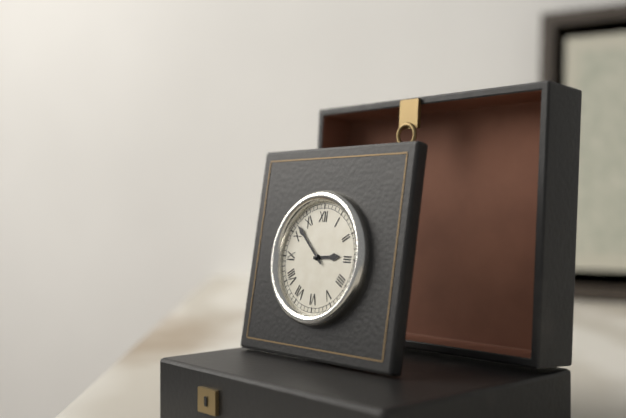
2h52
